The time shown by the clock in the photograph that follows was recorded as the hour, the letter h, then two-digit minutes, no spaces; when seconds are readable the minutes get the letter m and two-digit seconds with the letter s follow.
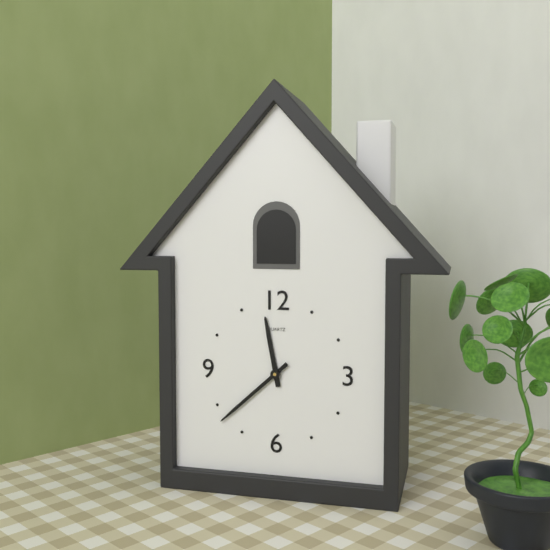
11h38
